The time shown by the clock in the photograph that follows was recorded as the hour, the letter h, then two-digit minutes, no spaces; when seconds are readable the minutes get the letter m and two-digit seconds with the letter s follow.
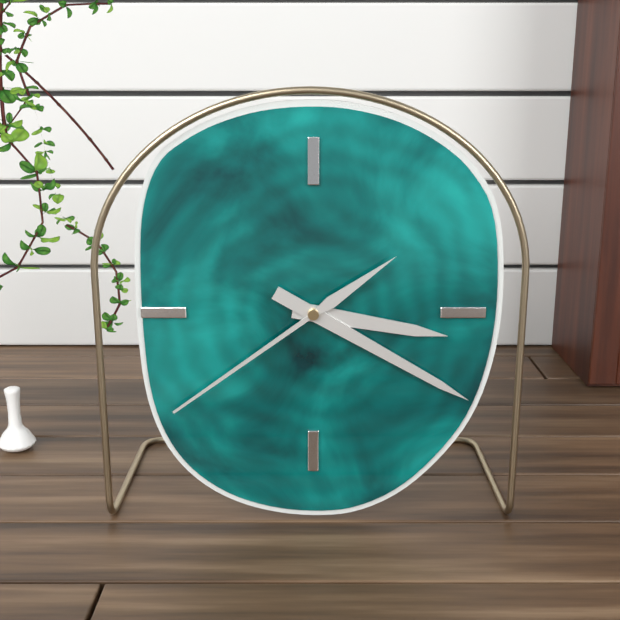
3h20m39s
